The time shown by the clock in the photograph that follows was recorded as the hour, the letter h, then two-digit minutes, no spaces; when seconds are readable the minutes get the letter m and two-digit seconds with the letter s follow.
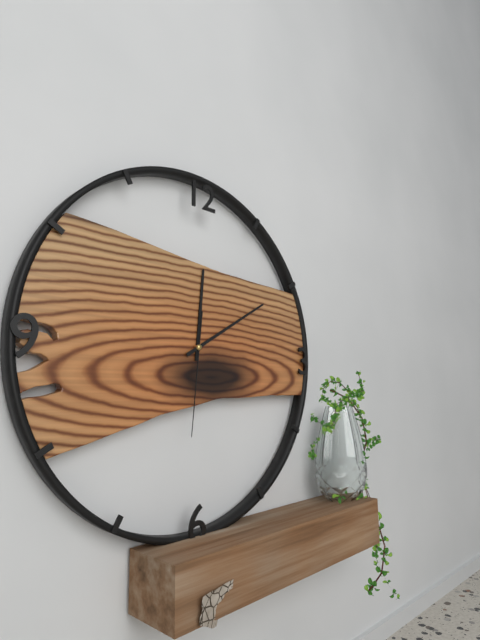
12h10m31s
